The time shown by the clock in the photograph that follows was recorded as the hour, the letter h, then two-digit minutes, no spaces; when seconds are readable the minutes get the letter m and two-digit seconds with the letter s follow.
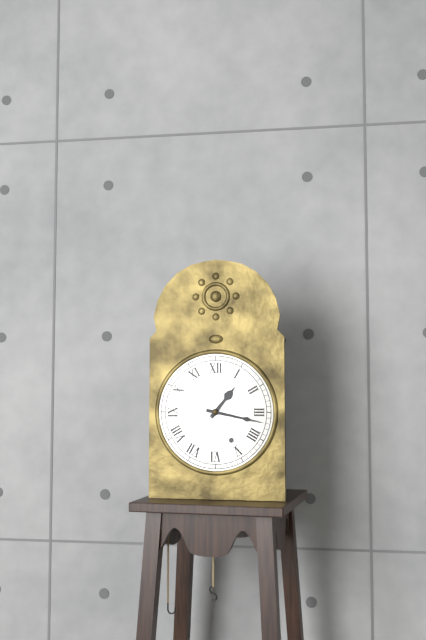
1h17
